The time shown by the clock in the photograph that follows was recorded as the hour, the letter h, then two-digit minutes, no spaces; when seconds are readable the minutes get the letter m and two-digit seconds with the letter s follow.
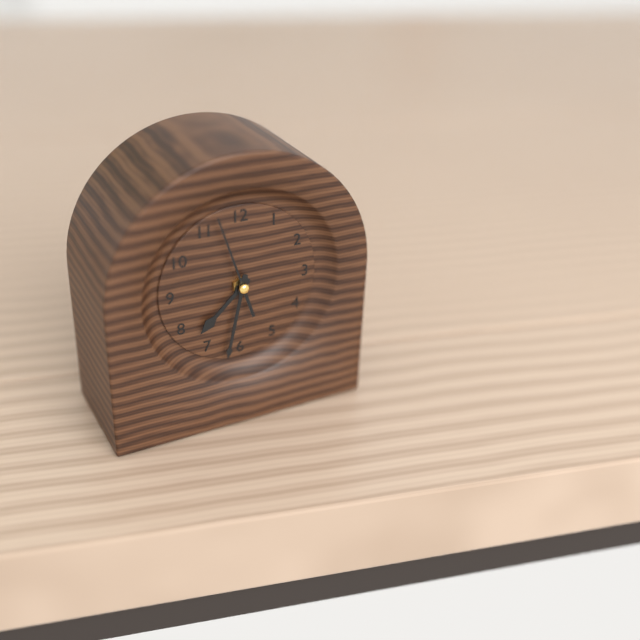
7h32m57s
